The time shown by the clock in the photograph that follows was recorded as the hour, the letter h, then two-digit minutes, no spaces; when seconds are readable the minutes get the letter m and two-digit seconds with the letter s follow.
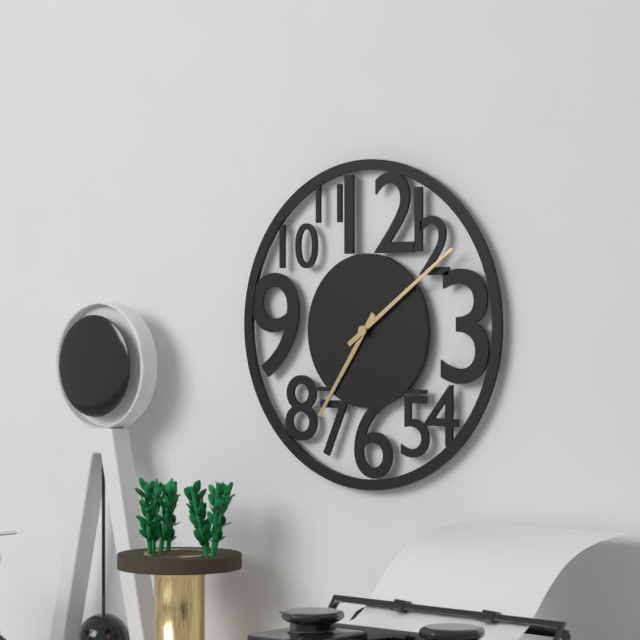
7h09
